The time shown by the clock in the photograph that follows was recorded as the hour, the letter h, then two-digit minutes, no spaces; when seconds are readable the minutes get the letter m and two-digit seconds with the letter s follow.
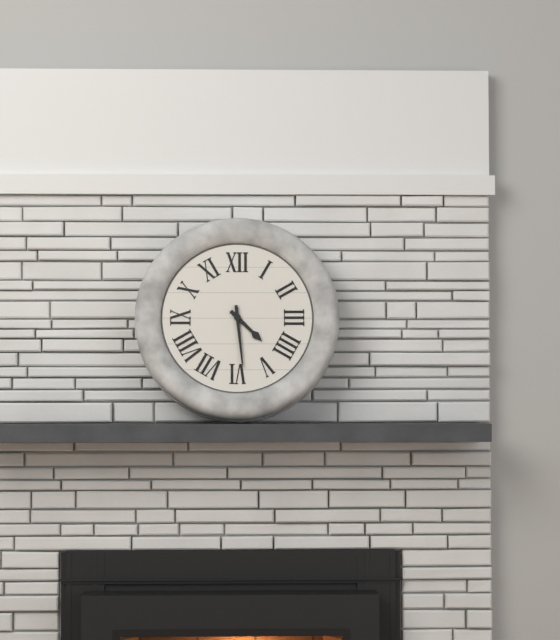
4h29
